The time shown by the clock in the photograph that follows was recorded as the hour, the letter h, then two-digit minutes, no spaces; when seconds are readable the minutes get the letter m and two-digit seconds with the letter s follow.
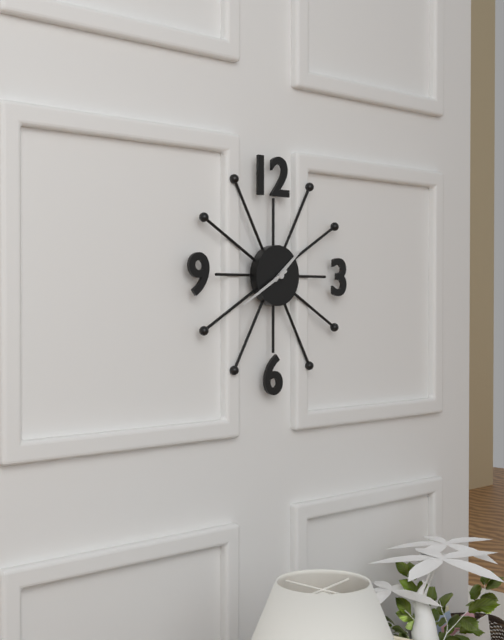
1h40
